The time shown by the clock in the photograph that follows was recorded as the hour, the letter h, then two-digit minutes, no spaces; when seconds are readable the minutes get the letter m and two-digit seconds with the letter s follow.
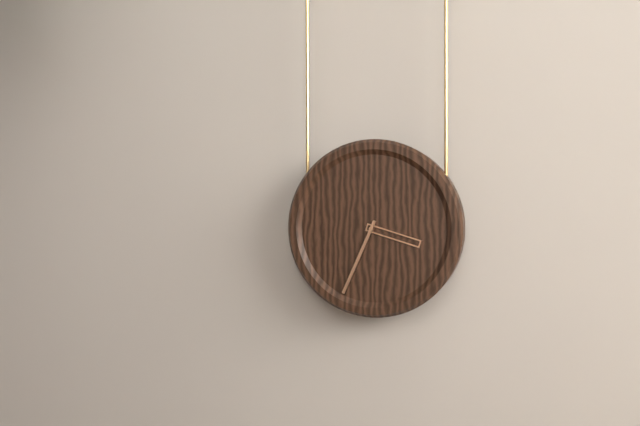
3h34
